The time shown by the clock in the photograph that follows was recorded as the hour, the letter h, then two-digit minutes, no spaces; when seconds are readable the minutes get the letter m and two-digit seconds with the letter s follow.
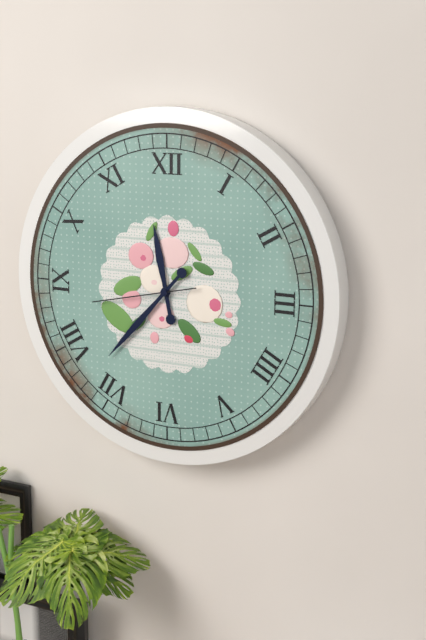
11h37m43s
